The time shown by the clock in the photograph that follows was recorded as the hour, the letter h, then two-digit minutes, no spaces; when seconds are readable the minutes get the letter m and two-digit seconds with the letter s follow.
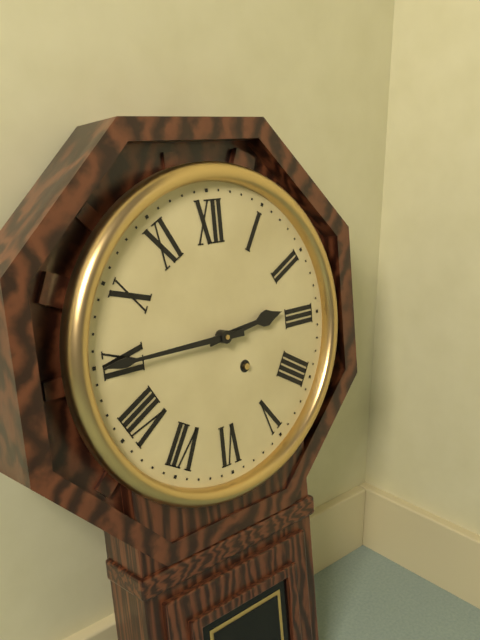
2h45
